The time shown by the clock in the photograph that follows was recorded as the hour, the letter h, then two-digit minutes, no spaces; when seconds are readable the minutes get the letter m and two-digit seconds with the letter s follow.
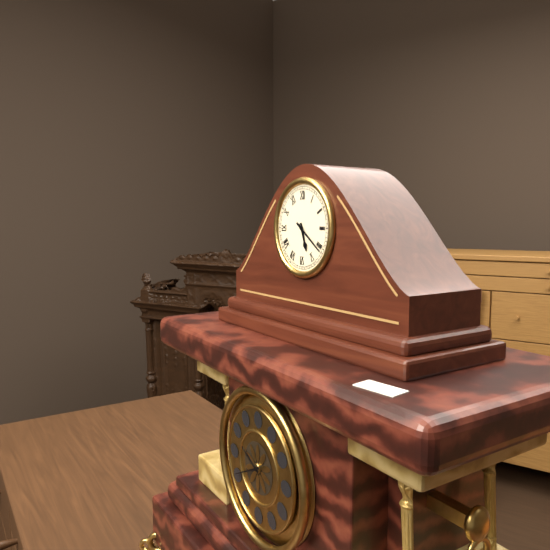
5h21
